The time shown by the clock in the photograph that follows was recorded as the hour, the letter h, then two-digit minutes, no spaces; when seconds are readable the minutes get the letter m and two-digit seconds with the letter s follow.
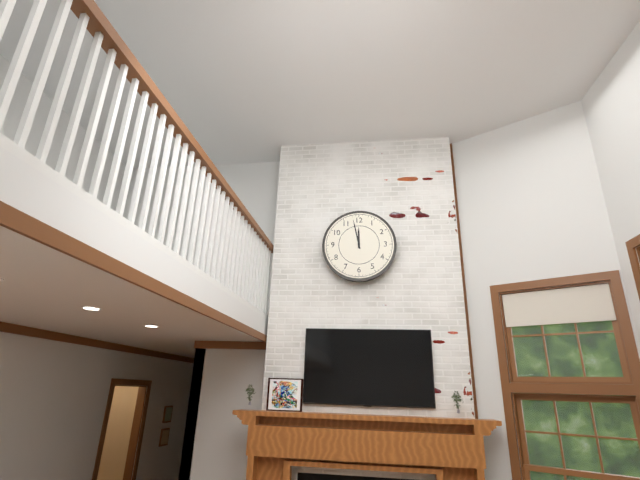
11h58
